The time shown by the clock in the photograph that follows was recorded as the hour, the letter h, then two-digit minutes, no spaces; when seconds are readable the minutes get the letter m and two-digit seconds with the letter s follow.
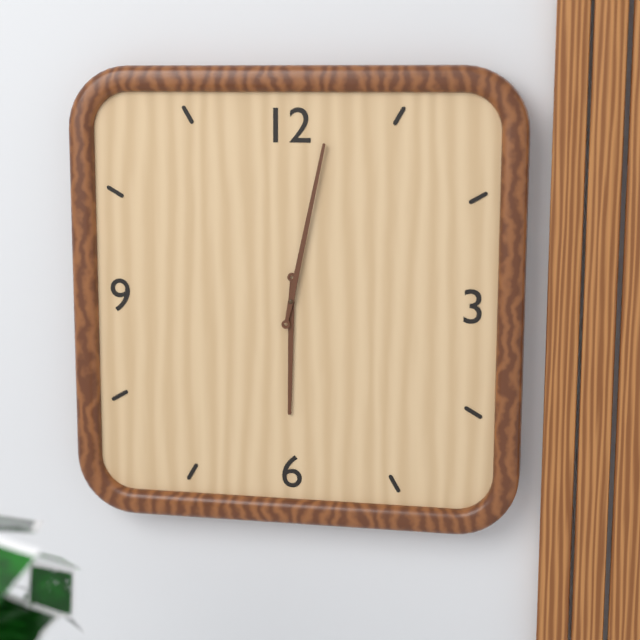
6h02
